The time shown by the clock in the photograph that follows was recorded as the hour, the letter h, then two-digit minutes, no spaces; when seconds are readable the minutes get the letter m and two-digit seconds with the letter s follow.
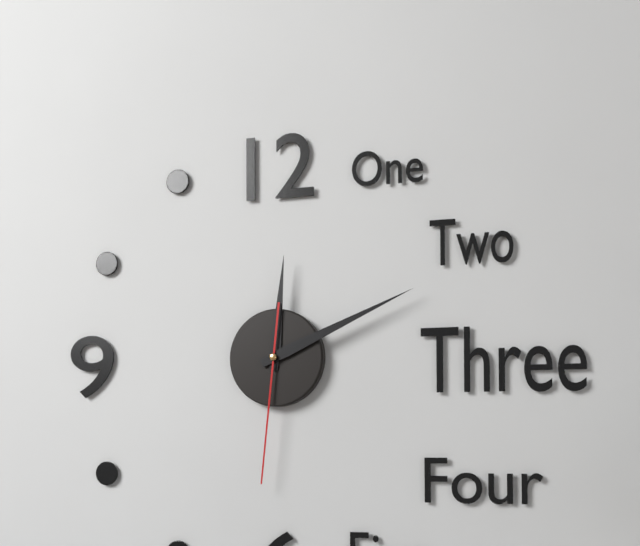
12h11m31s
